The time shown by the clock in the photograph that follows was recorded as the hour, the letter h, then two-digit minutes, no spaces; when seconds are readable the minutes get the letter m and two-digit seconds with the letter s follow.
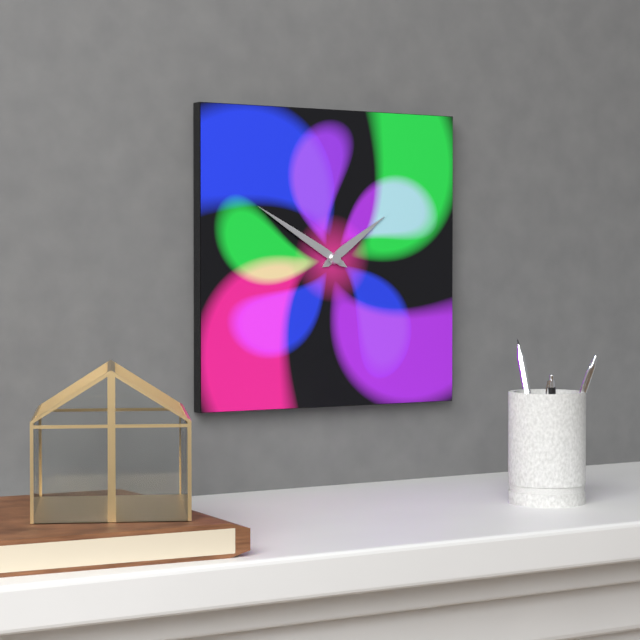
1h50
